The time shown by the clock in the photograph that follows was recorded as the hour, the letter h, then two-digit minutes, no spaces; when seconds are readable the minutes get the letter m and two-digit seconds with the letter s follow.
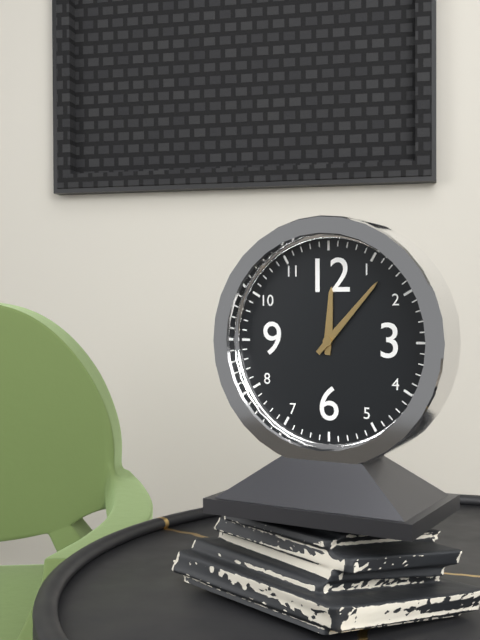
12h07
